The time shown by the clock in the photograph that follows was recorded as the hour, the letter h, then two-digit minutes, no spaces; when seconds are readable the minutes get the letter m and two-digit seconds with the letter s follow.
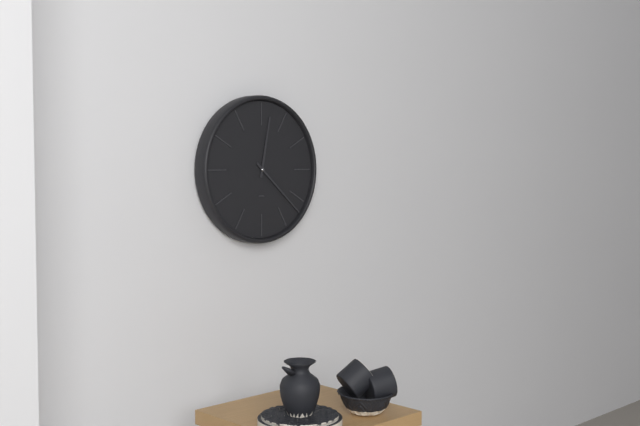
12h22
